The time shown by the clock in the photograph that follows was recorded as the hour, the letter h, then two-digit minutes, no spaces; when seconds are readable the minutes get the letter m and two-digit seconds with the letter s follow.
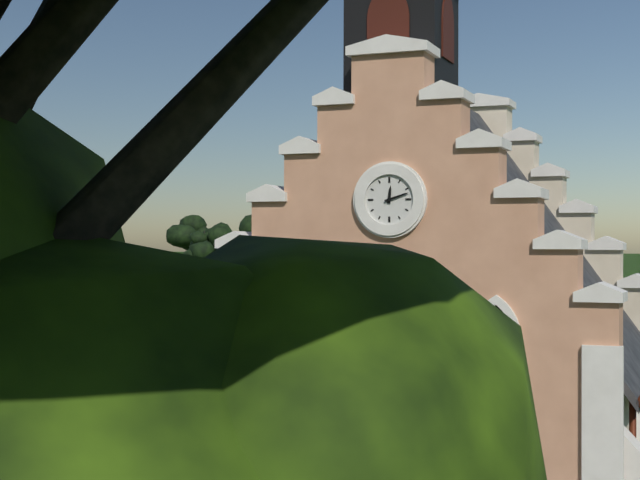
12h12
